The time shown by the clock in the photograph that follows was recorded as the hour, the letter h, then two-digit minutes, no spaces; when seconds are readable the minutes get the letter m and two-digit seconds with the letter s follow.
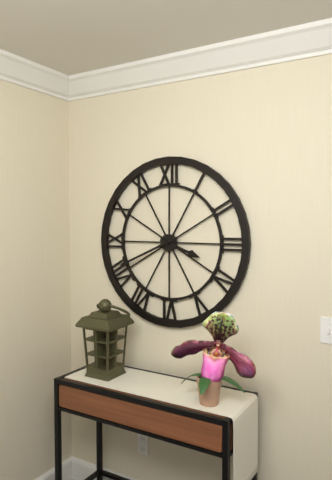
3h41
